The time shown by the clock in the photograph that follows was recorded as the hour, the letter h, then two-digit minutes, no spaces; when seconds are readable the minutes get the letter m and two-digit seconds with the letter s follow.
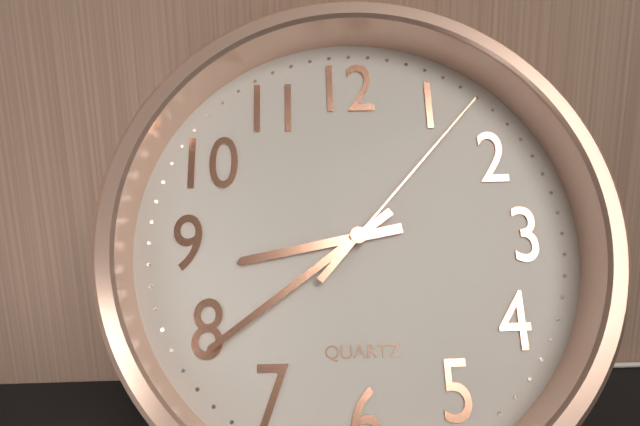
8h39m07s
